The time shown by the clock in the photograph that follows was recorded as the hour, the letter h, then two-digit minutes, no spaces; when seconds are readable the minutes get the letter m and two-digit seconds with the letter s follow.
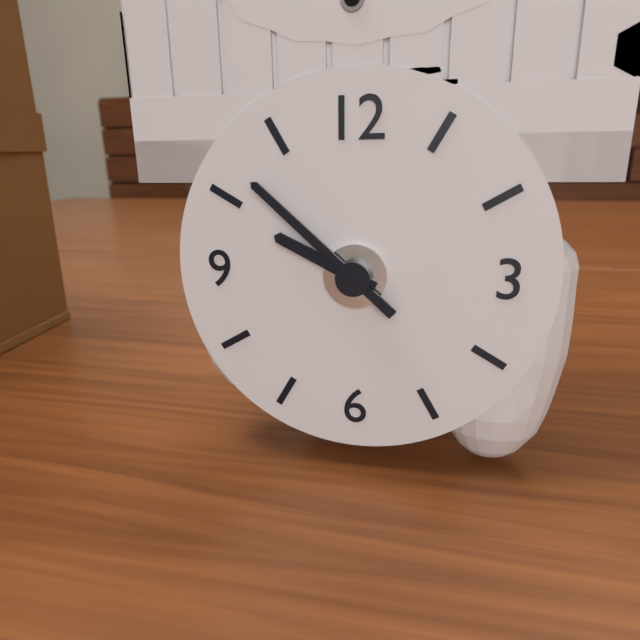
9h52
